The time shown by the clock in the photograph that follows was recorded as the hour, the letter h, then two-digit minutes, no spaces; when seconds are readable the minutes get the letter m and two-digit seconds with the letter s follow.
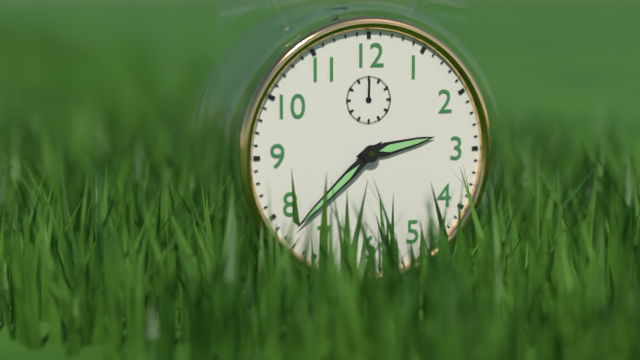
2h38
